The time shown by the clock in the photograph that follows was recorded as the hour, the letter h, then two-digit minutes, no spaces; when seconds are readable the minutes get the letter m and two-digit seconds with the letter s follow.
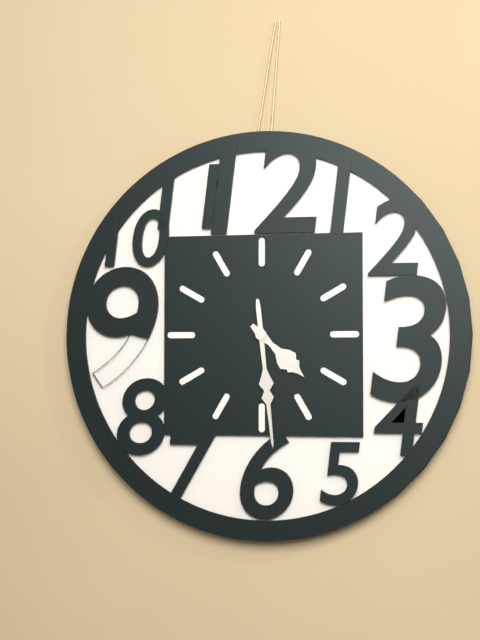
4h29
